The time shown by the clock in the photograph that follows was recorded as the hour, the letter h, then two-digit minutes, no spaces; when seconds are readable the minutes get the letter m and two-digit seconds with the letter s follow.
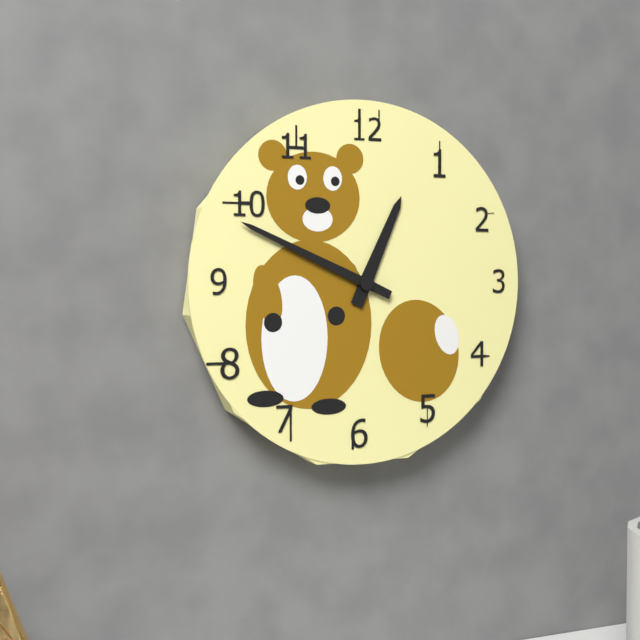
12h49
